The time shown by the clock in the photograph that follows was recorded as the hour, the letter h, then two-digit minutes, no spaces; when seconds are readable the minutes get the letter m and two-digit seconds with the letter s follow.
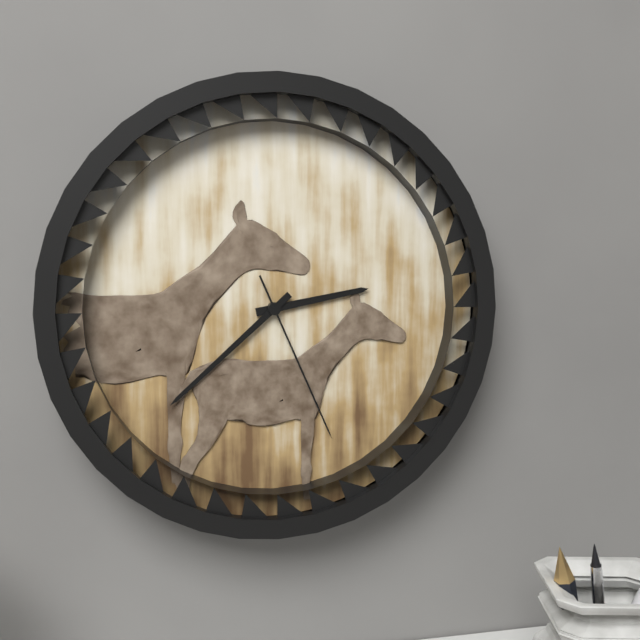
2h38m26s
